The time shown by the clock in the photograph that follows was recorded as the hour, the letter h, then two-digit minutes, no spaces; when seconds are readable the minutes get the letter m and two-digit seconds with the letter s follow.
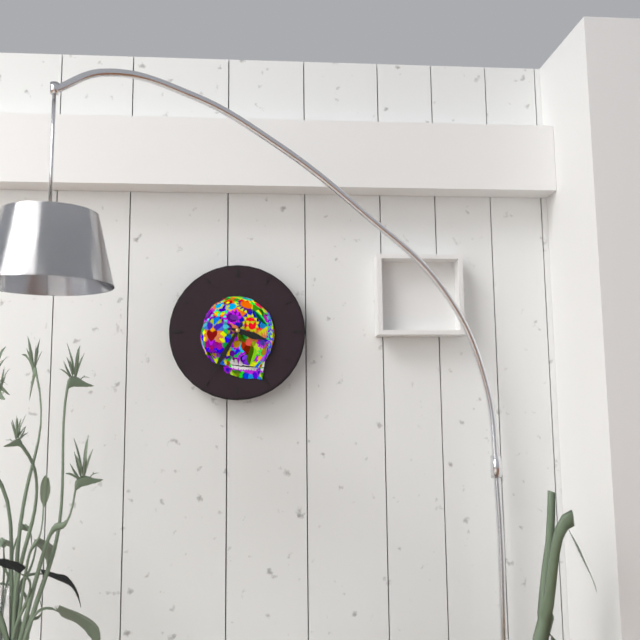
3h35
